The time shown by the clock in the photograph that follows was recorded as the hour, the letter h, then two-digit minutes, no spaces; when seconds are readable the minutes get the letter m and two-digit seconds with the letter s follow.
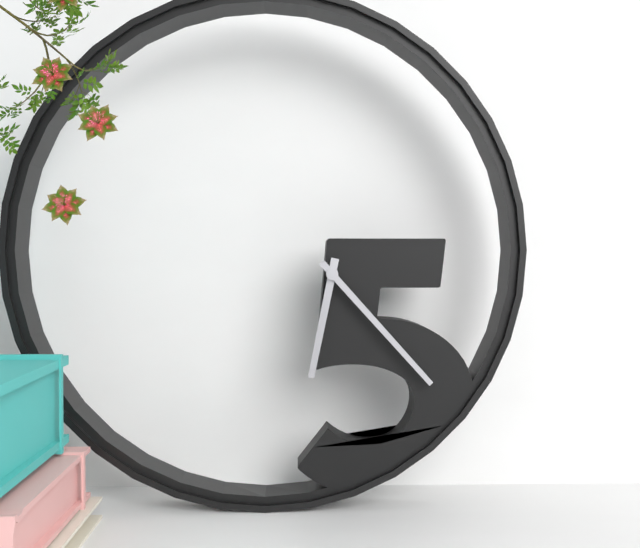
6h23
